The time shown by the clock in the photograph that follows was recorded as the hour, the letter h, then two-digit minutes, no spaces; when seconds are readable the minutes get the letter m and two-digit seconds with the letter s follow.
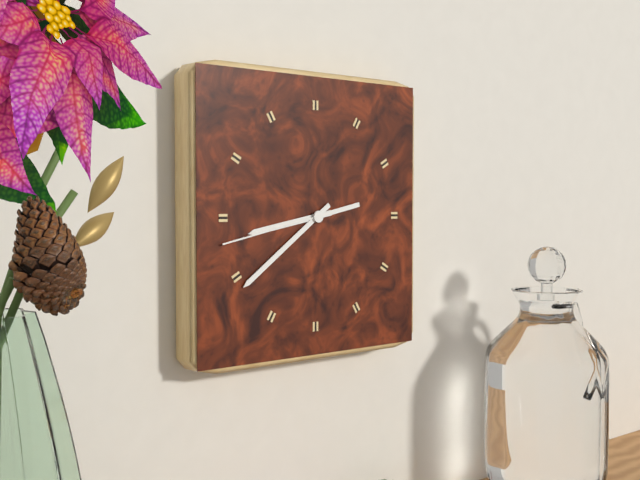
8h39m43s
